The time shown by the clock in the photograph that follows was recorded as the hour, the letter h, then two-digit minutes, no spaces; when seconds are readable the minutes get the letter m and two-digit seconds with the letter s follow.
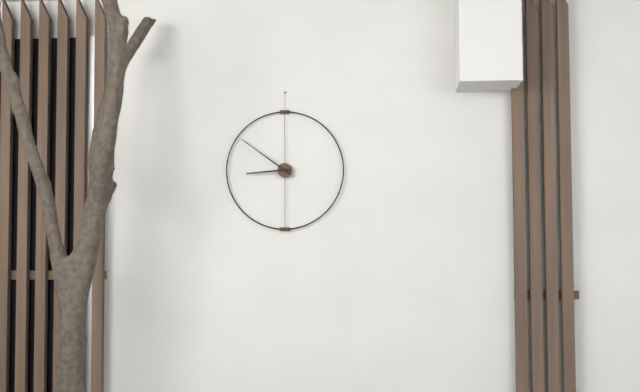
8h51
